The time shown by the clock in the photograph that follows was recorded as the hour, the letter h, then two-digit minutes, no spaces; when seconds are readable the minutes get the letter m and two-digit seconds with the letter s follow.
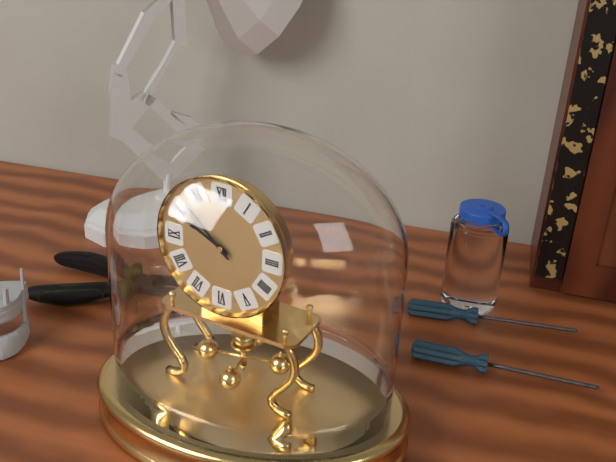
9h52
